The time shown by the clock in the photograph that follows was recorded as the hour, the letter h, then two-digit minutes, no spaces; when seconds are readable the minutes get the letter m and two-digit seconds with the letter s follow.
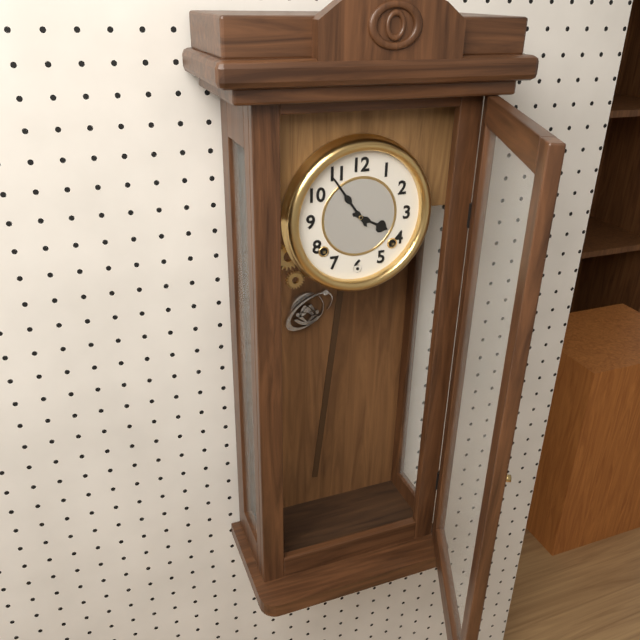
3h54
